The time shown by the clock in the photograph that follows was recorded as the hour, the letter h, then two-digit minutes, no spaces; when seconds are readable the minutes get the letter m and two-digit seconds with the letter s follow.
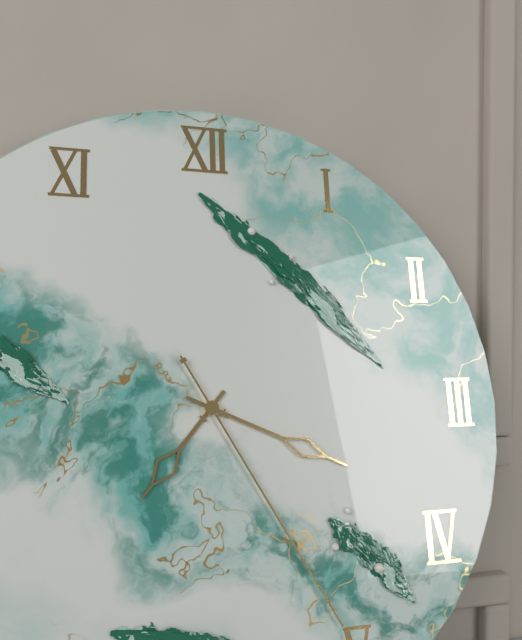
7h19m25s
